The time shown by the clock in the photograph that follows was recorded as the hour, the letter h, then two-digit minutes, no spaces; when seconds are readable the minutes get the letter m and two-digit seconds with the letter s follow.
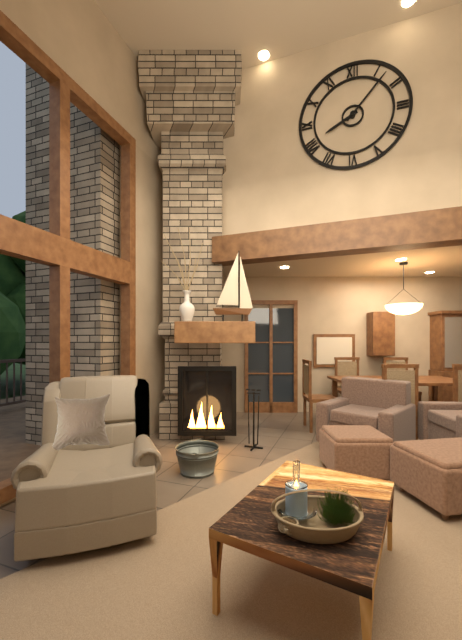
8h07
